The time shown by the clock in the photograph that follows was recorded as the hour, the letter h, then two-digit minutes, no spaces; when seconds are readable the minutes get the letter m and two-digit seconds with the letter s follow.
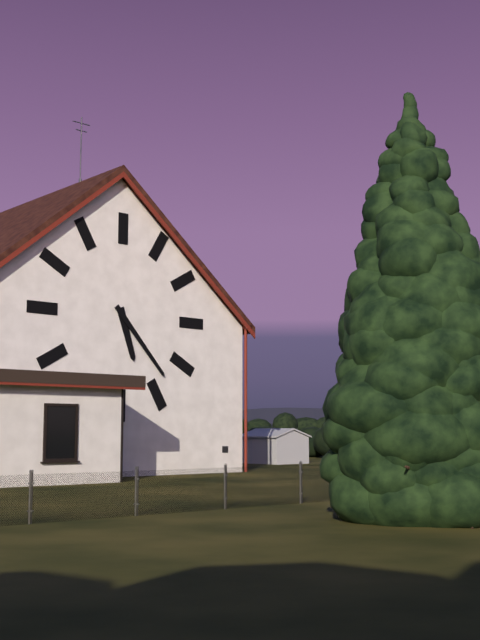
5h23
